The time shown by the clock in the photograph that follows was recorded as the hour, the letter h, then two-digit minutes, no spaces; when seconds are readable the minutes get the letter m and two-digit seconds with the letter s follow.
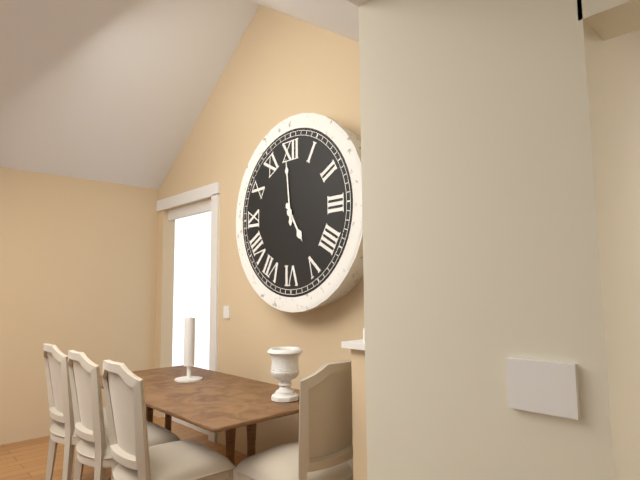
4h59
